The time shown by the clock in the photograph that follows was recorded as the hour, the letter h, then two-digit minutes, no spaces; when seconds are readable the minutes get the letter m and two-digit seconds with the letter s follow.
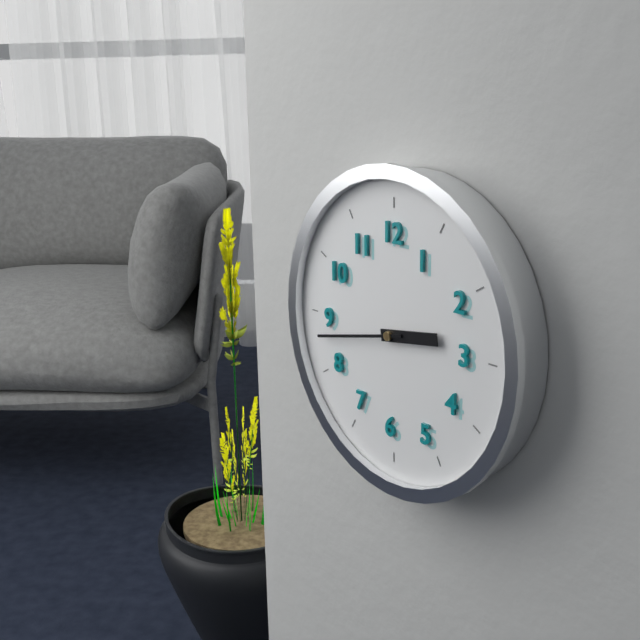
2h43
